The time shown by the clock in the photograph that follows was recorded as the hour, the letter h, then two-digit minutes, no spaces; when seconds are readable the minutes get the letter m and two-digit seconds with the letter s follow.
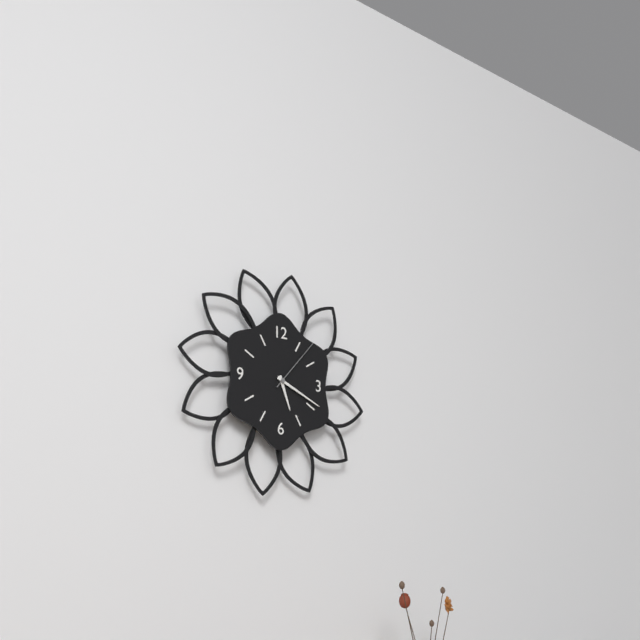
5h19m07s
